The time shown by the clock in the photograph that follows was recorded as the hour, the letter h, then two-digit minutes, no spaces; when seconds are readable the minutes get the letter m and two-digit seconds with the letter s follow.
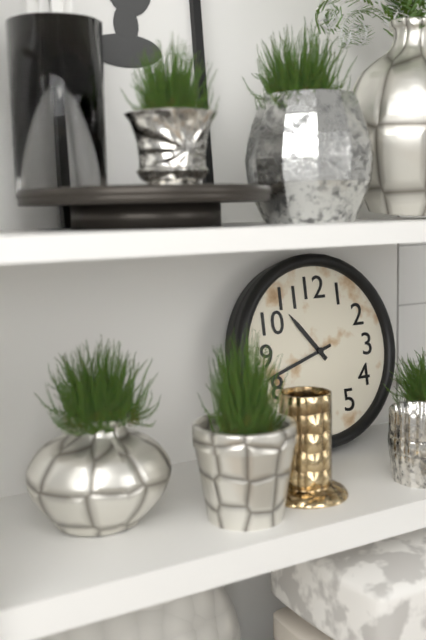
10h42
